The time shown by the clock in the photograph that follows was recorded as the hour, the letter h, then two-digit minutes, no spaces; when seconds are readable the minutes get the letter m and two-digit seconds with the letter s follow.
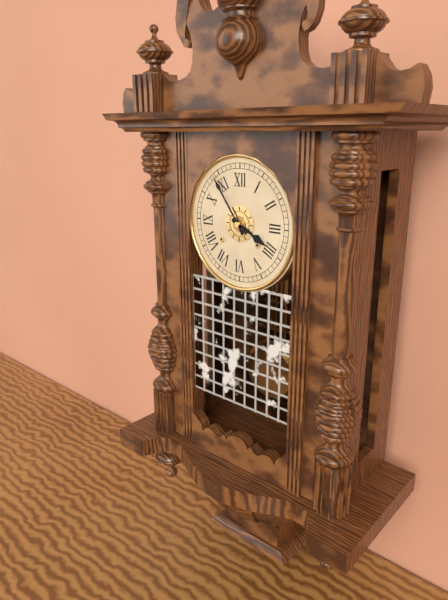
3h54
